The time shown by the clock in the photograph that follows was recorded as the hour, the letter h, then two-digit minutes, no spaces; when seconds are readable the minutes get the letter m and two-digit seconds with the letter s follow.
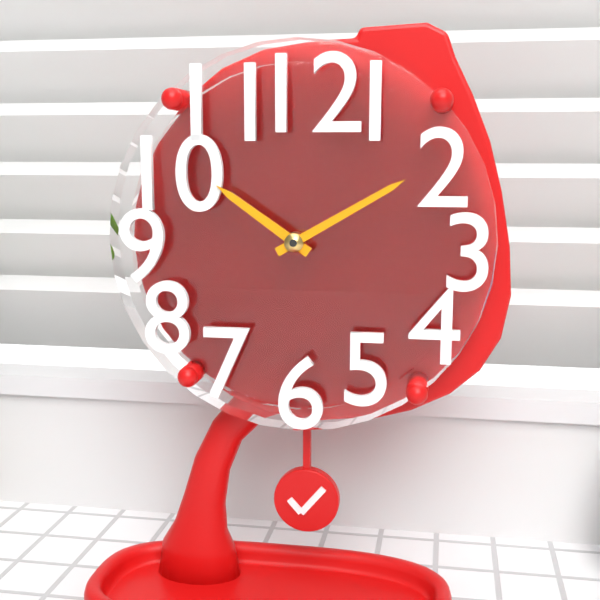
10h10
